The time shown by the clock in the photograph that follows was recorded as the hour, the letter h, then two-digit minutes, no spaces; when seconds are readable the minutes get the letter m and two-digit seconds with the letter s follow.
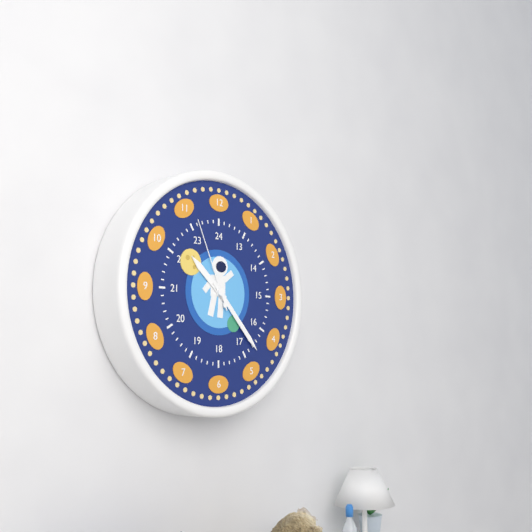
10h23m56s
